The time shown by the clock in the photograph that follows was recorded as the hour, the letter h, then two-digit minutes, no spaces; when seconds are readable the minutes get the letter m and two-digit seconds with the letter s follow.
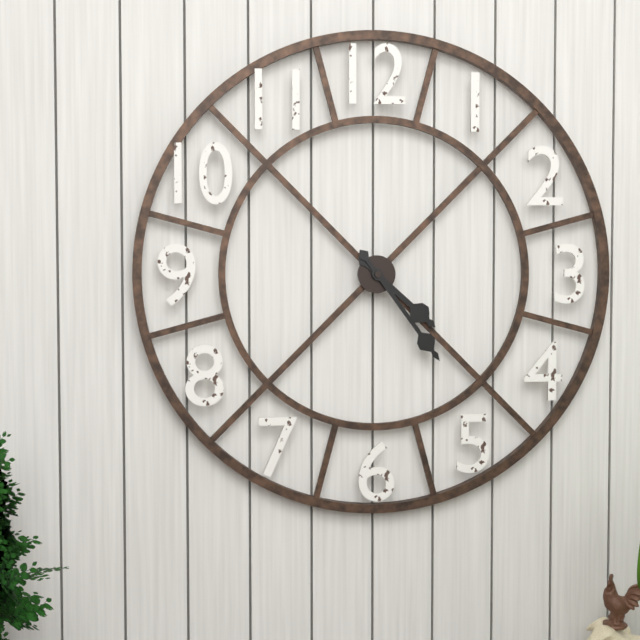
4h24
